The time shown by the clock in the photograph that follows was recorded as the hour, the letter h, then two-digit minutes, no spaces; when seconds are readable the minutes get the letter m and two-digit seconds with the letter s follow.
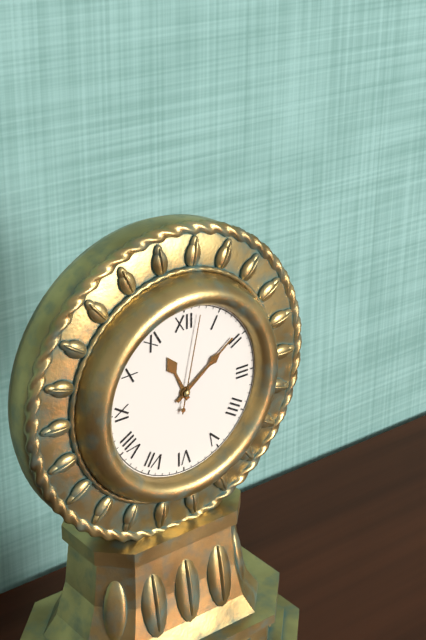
11h09m02s
